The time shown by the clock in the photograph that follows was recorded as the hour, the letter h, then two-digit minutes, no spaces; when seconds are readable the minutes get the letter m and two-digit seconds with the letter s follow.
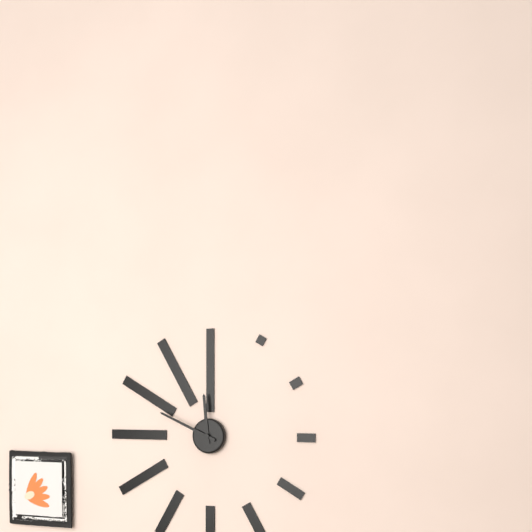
11h49
